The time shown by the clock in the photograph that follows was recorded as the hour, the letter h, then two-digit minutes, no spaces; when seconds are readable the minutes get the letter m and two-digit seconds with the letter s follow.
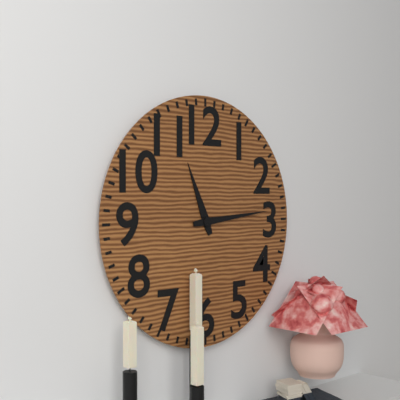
11h14
